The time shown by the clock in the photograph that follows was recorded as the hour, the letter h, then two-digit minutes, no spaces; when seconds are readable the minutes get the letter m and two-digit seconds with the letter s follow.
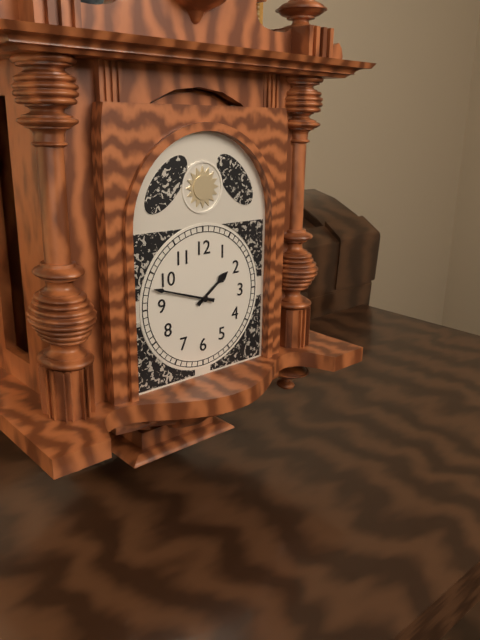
1h48
